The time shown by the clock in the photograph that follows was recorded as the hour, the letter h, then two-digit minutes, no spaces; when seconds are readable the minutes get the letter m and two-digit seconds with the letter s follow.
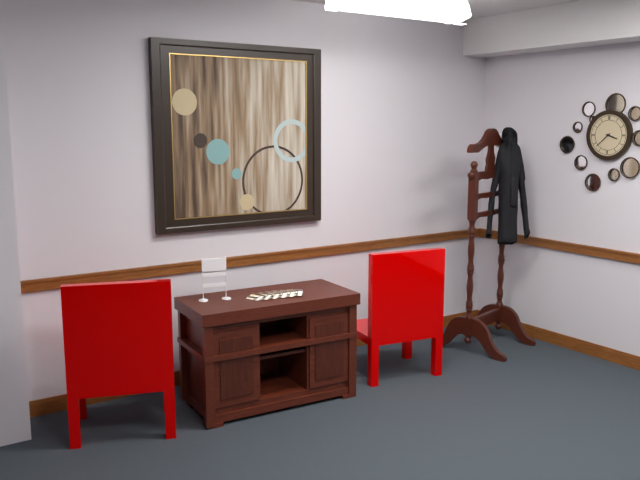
3h38
